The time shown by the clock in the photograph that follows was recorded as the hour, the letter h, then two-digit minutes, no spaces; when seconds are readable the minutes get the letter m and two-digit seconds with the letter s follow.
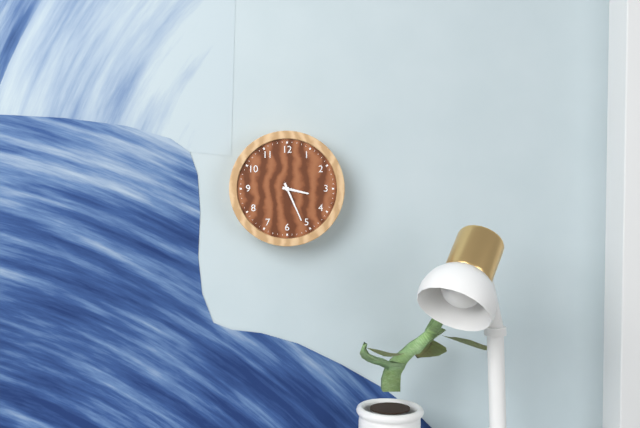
3h26
